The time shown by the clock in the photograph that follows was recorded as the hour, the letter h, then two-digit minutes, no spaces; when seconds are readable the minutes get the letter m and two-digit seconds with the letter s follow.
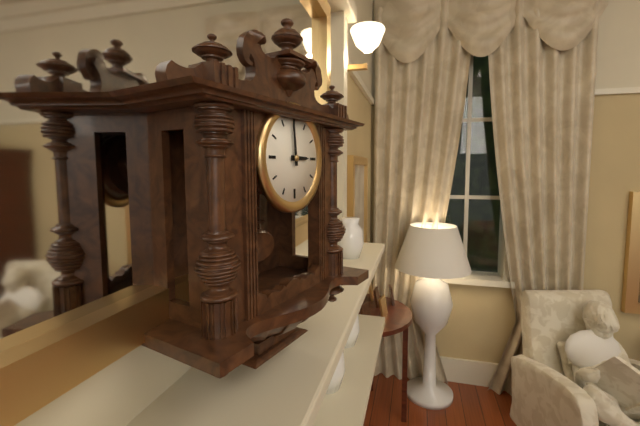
2h59
